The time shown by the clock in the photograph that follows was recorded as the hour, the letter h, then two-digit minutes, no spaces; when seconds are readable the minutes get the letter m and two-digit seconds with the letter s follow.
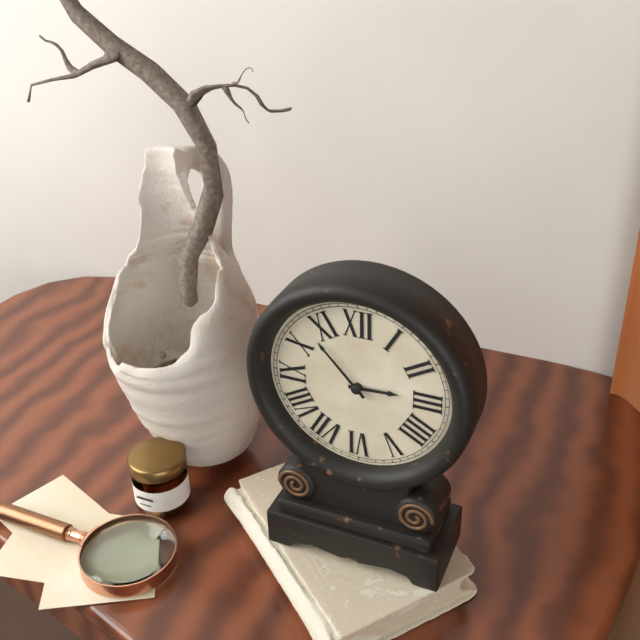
2h53
